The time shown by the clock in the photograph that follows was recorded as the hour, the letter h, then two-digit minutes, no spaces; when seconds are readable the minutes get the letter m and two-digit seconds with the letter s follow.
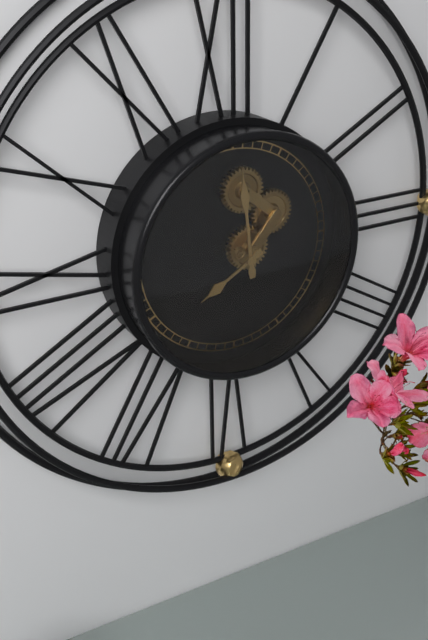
7h59
